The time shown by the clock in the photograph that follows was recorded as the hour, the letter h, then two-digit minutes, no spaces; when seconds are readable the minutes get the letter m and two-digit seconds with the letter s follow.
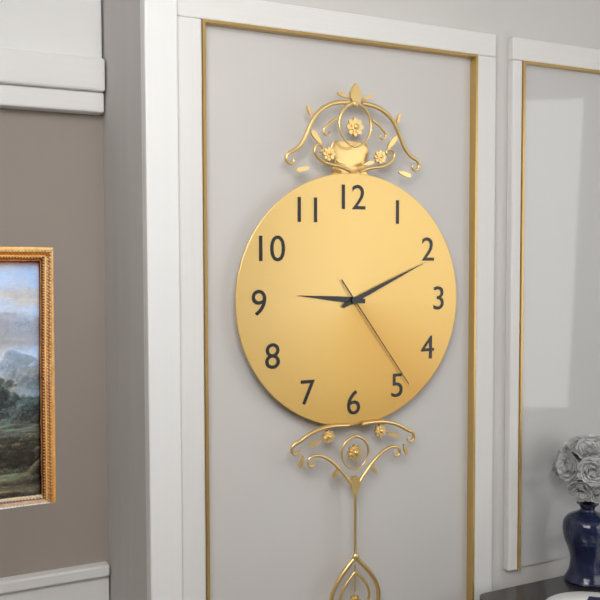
9h11m24s
